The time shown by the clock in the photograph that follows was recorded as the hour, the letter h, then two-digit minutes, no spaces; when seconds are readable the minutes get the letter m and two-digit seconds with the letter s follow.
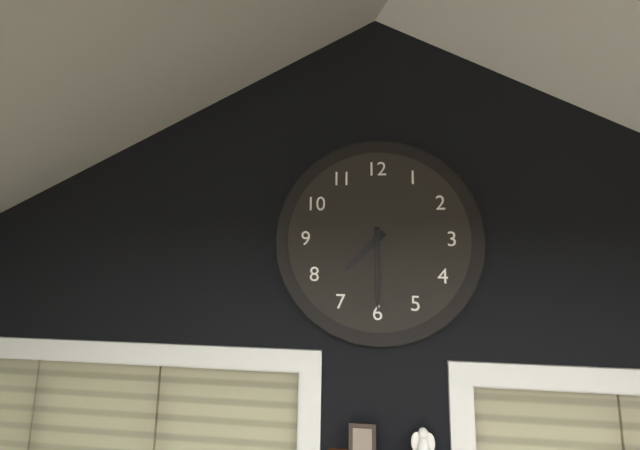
7h30
